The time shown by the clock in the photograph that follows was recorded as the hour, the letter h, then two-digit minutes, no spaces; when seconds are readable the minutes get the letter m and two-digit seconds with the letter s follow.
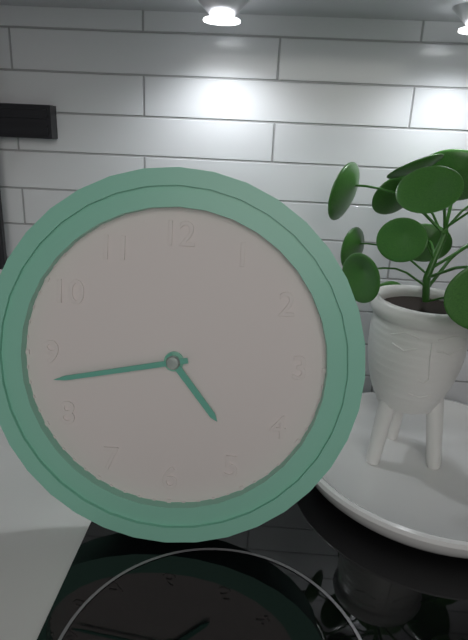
4h43
